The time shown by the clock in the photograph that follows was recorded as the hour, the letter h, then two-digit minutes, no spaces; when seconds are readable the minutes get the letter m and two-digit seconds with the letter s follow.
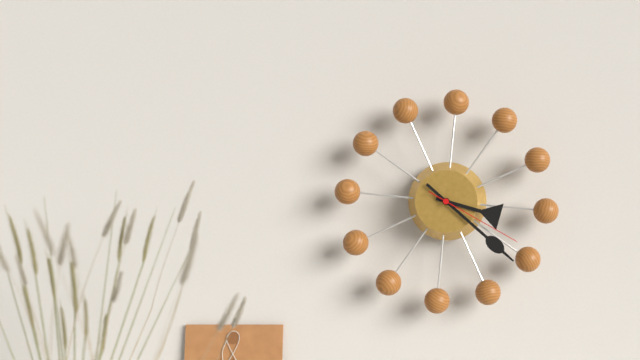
3h21m19s
